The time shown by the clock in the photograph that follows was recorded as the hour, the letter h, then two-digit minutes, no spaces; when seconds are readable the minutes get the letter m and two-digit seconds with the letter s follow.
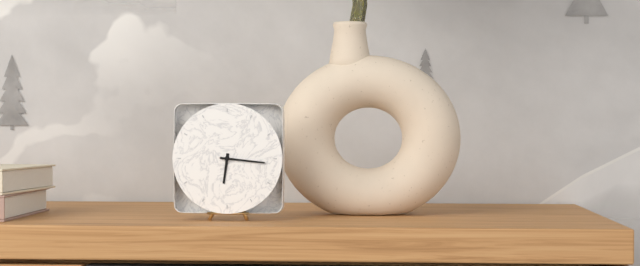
6h16
